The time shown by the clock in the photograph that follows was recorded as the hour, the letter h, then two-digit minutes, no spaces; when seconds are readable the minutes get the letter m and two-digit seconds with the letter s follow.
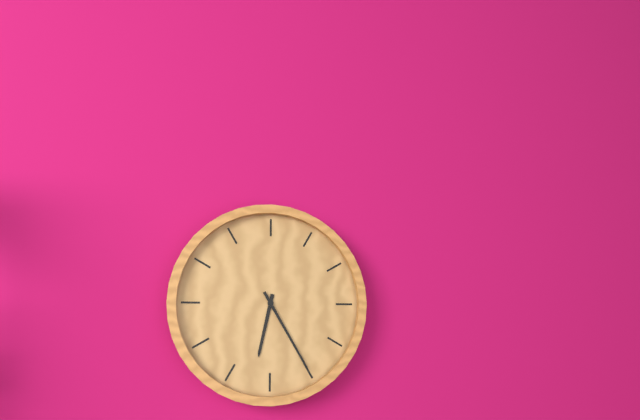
6h25
